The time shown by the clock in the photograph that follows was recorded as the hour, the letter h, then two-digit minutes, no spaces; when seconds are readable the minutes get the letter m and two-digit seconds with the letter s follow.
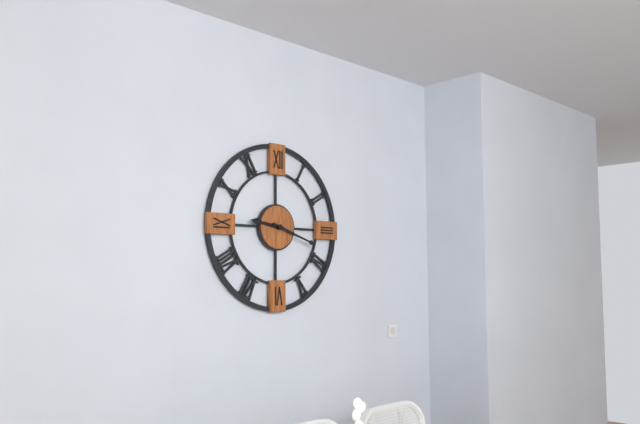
9h18
